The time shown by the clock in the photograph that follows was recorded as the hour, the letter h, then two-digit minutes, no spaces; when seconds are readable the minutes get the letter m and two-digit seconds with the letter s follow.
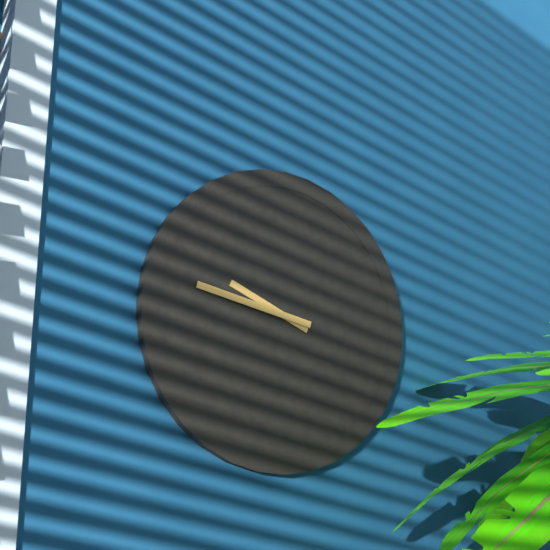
9h47
